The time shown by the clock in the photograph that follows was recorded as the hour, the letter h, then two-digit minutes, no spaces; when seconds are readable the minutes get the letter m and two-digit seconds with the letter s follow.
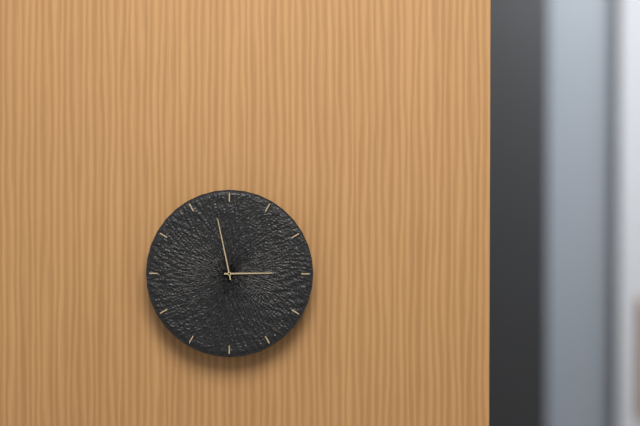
2h58
